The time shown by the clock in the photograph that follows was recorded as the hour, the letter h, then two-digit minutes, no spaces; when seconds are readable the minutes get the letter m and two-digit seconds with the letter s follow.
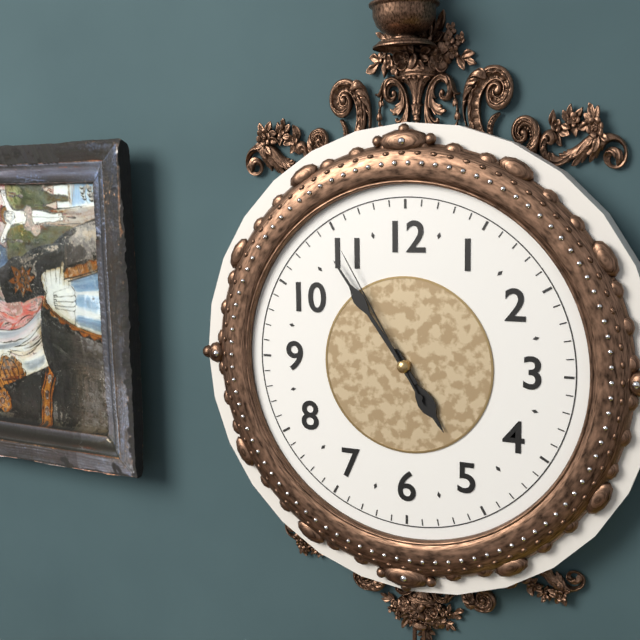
4h54m55s
